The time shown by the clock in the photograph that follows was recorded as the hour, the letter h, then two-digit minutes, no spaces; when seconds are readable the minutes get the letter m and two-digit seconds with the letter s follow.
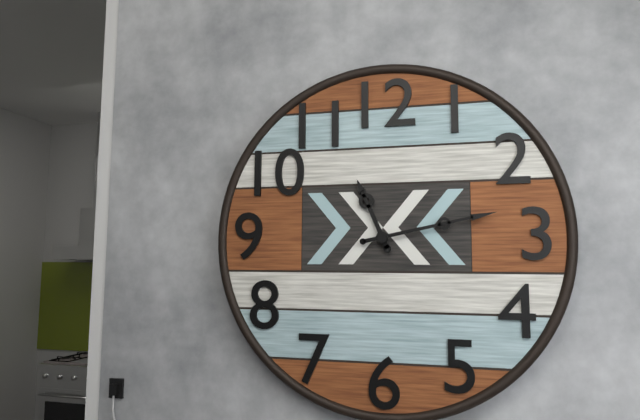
11h13
